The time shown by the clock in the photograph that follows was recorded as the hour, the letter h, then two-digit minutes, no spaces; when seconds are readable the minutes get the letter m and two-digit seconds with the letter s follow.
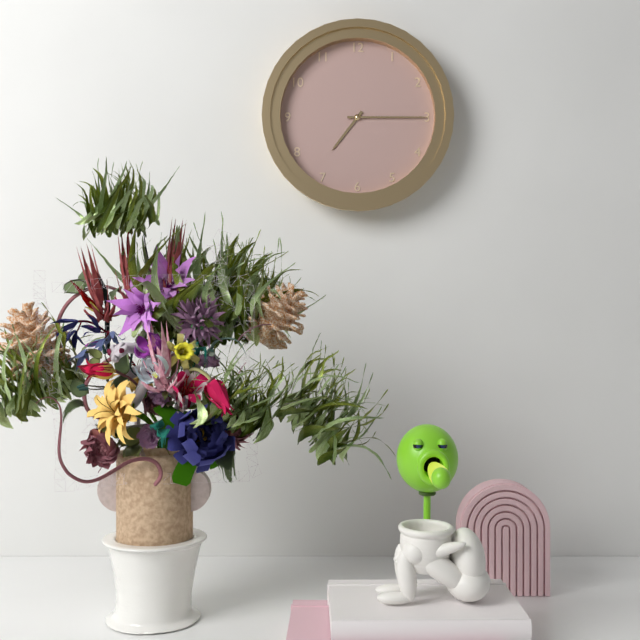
7h15
